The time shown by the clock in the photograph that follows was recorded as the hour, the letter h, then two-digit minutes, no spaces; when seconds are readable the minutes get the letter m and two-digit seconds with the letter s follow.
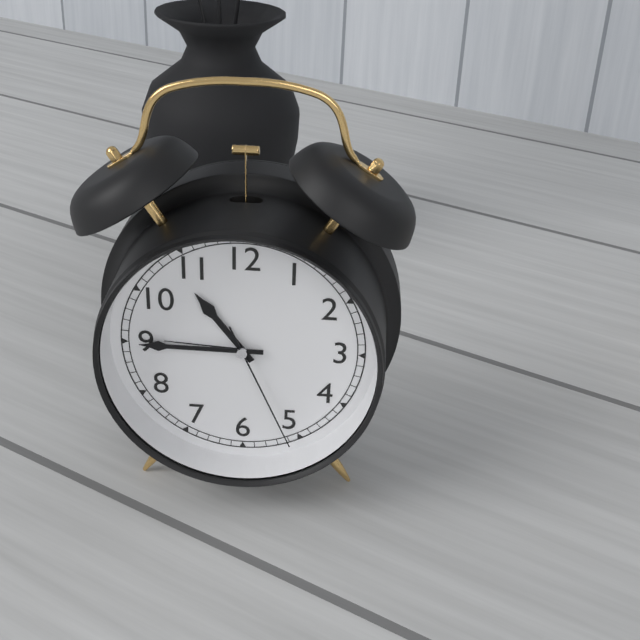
10h45m26s
